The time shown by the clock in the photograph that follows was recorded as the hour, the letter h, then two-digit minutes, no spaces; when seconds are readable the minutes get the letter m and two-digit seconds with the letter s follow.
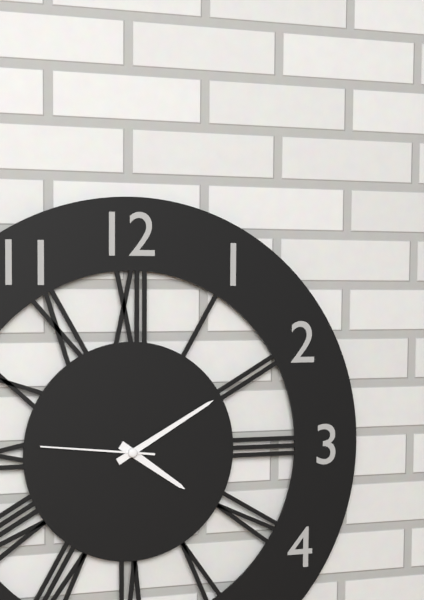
4h10m46s
